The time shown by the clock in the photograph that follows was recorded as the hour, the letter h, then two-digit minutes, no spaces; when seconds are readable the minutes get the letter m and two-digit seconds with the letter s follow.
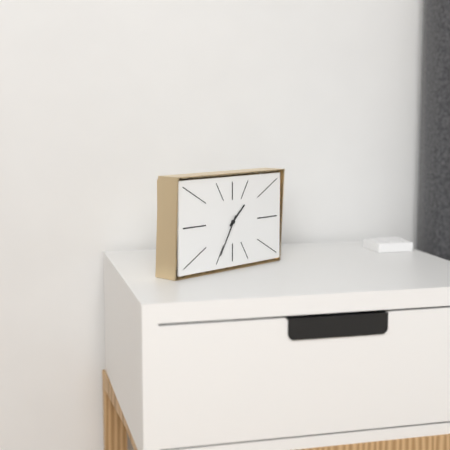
1h35
